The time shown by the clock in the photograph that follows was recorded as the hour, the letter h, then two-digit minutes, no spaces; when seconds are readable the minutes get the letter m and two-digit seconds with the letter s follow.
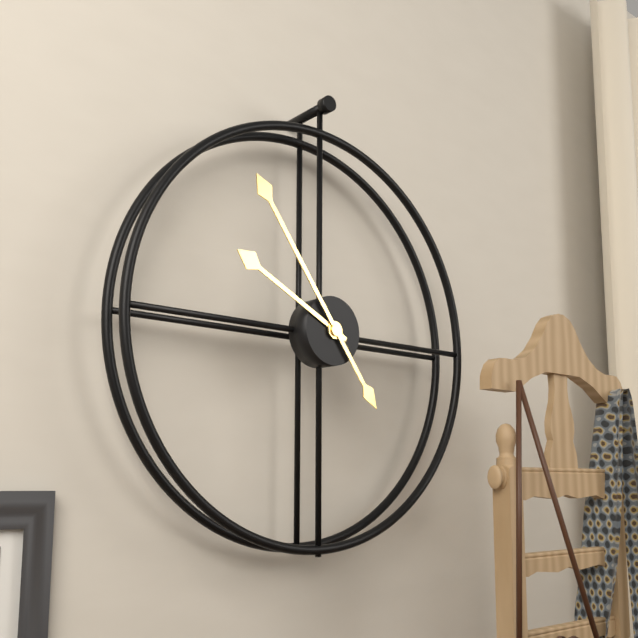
9h54
